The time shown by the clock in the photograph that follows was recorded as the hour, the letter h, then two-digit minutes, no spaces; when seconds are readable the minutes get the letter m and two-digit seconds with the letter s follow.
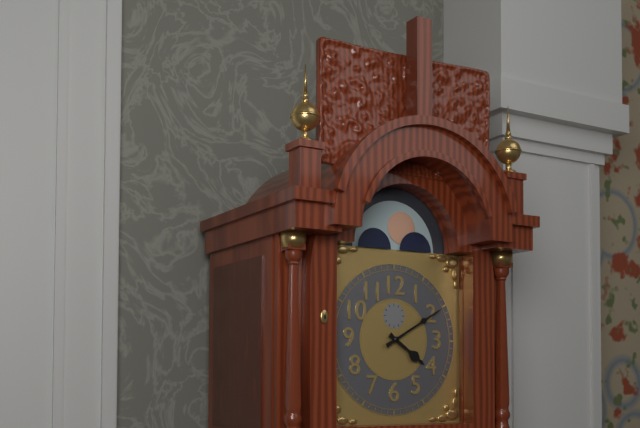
4h10
